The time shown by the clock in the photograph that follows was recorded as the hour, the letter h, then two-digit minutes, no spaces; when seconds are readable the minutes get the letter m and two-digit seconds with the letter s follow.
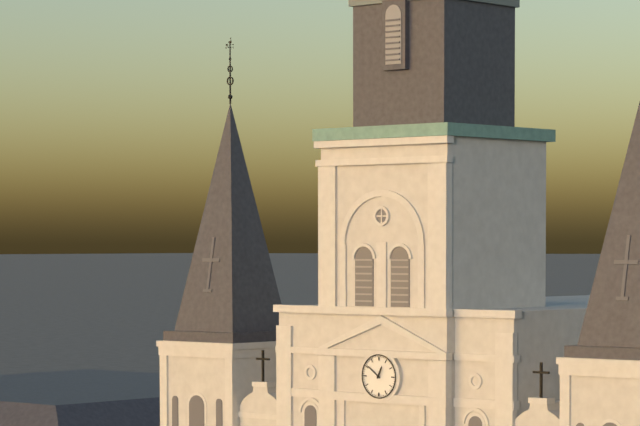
12h51
